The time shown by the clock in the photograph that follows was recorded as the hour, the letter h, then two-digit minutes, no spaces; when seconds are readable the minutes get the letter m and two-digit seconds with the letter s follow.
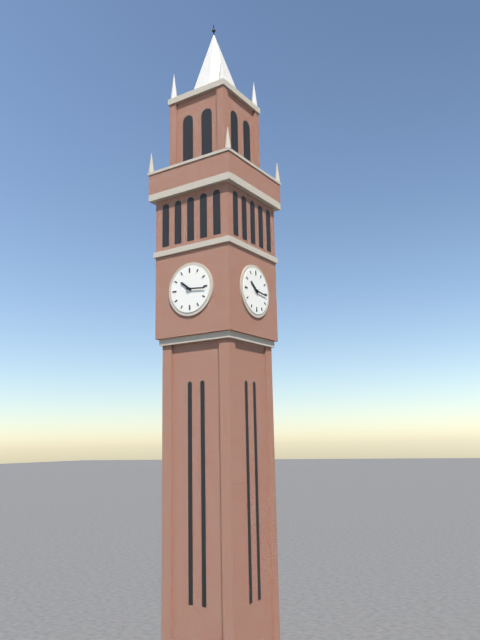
10h16
